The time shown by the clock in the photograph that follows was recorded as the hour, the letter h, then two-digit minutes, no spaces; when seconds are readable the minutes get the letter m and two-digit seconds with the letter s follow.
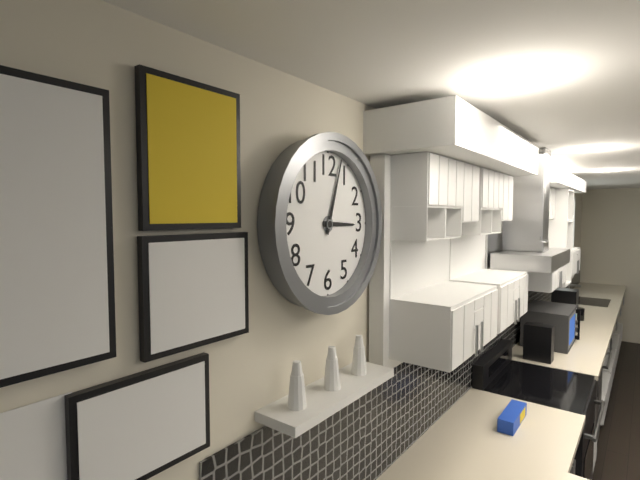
3h03
